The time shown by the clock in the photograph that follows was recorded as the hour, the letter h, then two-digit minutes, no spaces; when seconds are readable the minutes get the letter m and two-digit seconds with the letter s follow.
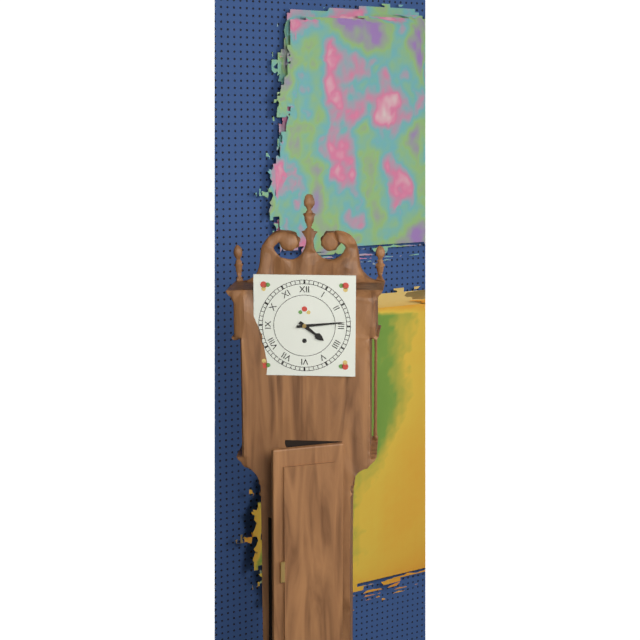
4h14
